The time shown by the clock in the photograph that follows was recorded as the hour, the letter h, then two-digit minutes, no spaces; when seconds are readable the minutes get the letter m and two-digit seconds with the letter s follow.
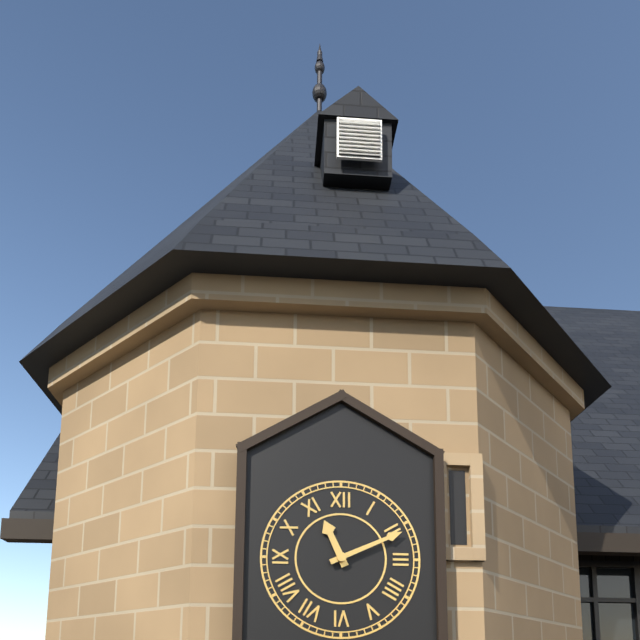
11h11
